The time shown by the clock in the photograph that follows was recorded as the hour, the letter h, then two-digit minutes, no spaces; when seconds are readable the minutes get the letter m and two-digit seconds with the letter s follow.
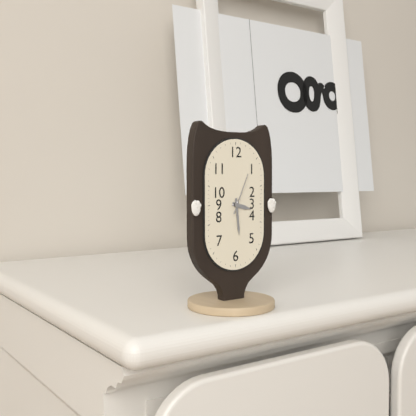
3h29
